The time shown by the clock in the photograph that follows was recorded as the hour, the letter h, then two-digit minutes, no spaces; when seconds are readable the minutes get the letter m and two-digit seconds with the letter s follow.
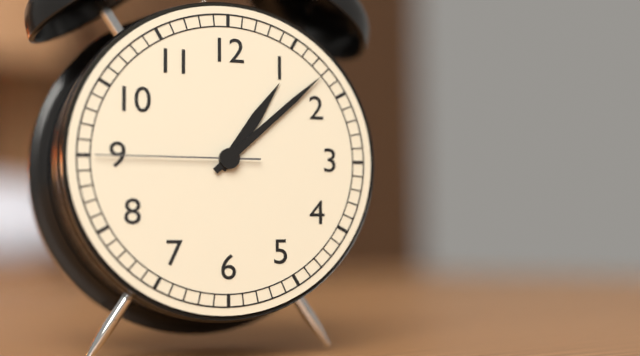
1h08m45s
